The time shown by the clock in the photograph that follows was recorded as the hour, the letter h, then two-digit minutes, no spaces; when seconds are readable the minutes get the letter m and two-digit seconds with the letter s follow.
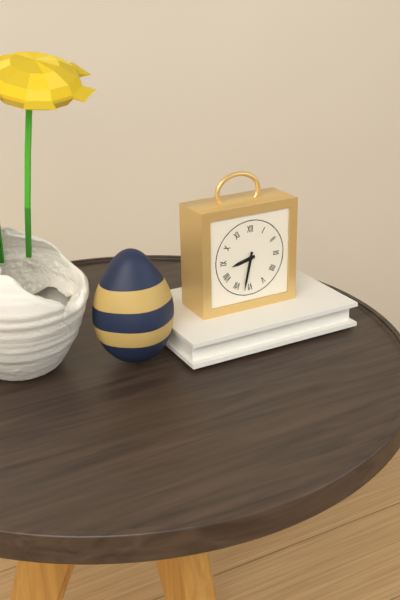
8h32
